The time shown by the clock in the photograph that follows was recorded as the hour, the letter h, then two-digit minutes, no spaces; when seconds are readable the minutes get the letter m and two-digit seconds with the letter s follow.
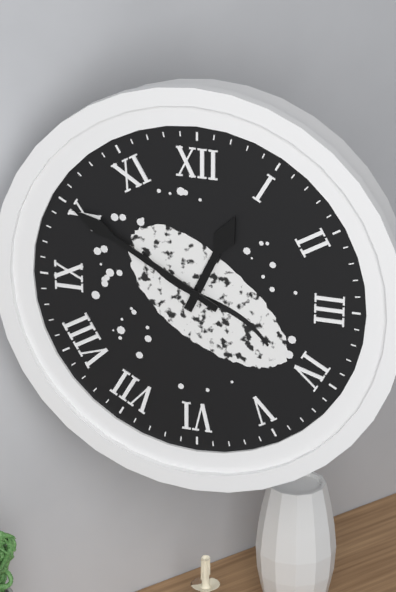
12h50
